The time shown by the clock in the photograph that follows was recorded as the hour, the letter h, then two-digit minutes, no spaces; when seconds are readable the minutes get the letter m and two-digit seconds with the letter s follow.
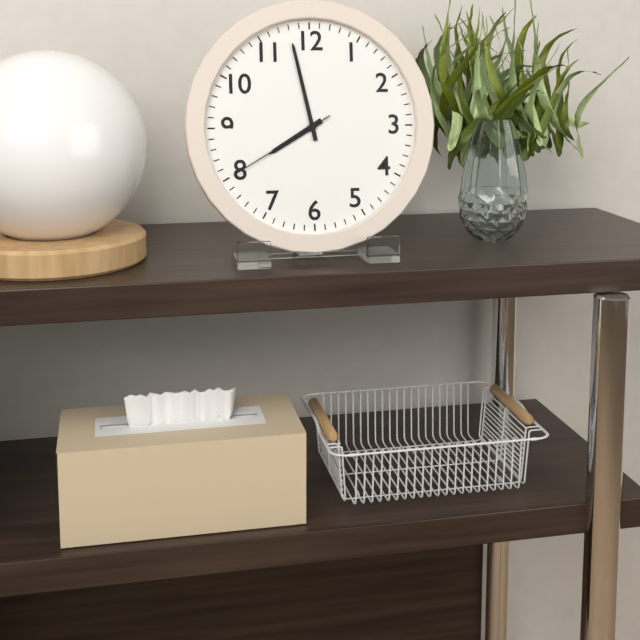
7h58m40s
